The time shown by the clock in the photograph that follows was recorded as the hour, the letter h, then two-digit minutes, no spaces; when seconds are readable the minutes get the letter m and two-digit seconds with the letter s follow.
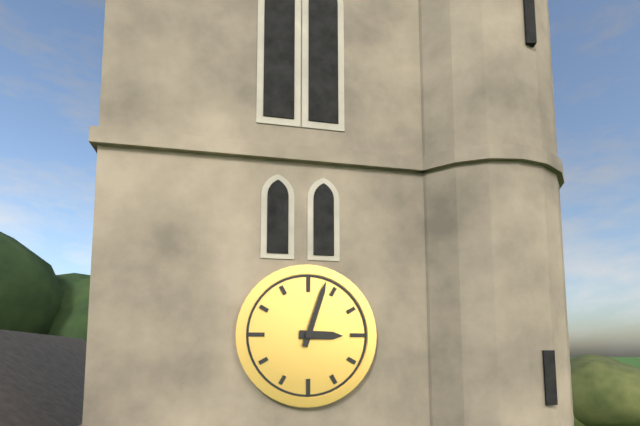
3h03
